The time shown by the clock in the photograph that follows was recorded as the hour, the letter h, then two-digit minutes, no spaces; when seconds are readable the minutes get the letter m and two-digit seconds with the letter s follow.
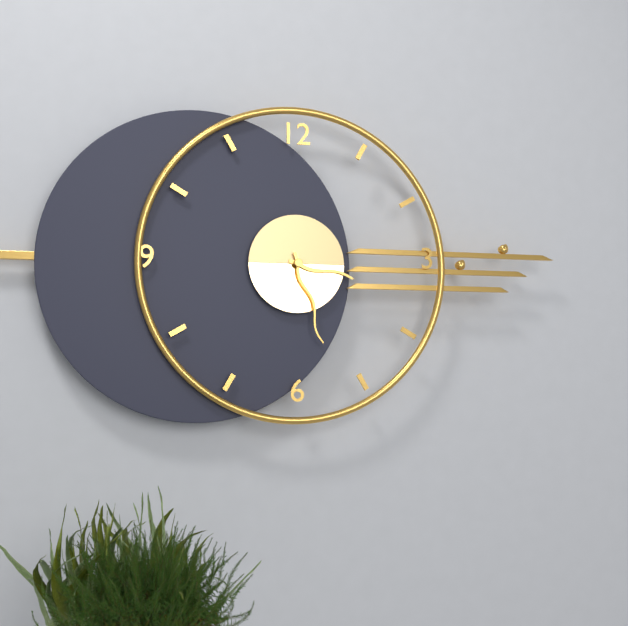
3h27
